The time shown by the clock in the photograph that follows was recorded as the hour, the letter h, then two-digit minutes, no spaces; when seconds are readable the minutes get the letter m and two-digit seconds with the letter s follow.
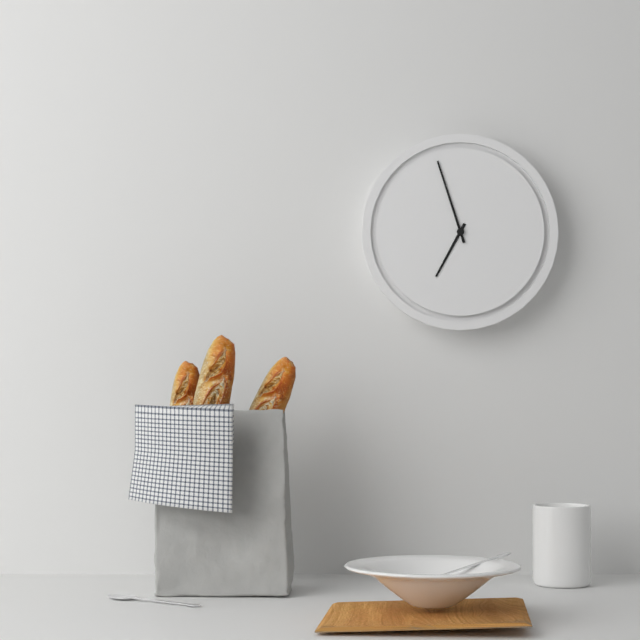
6h57
